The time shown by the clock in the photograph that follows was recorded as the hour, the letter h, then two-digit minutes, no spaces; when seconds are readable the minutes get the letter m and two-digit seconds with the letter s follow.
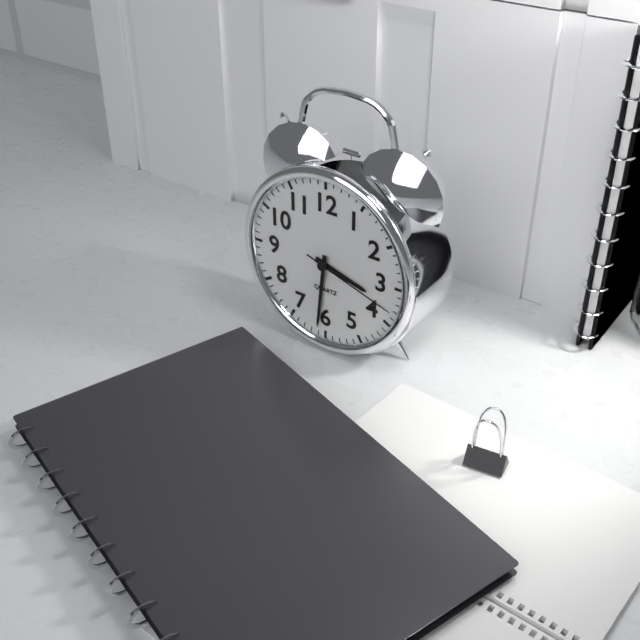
3h31m18s
